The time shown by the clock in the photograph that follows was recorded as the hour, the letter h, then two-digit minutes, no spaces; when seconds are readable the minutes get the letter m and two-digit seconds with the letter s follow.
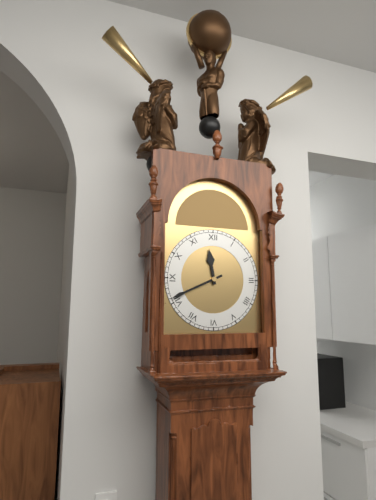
11h41
